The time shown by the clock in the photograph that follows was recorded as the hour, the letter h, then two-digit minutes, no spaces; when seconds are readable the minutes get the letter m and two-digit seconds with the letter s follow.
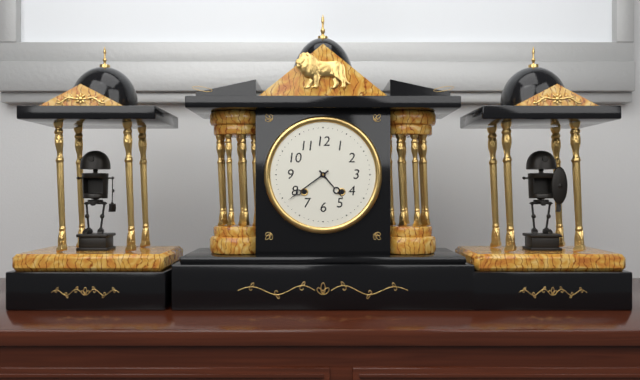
4h39
